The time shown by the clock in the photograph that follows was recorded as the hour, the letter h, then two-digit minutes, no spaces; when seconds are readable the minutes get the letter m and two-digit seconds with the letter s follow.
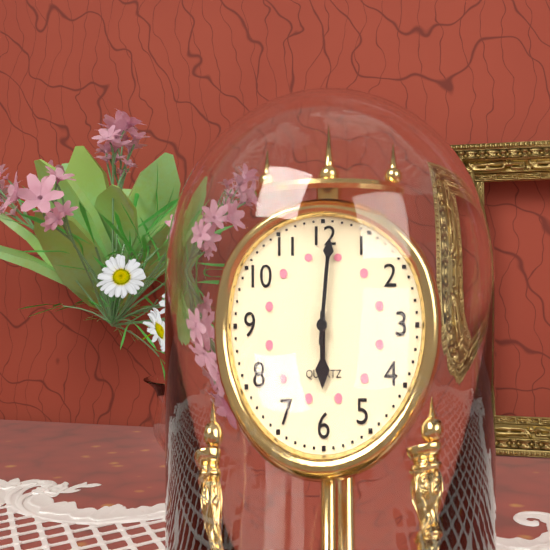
6h01
